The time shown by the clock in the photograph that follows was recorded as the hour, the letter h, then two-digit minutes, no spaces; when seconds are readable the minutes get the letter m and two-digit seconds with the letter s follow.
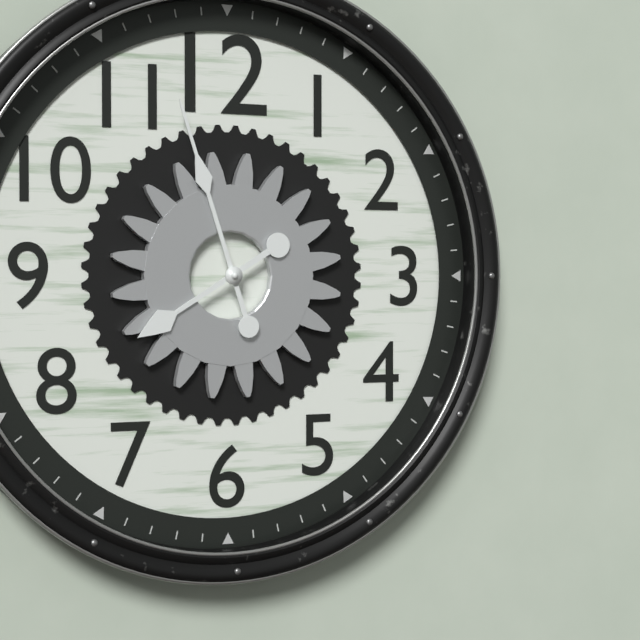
7h57
